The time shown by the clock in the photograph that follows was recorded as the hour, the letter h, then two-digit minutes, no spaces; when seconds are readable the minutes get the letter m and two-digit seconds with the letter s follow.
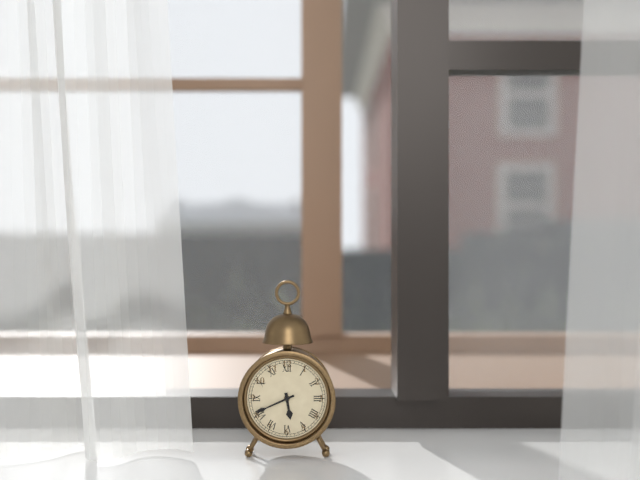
5h41
